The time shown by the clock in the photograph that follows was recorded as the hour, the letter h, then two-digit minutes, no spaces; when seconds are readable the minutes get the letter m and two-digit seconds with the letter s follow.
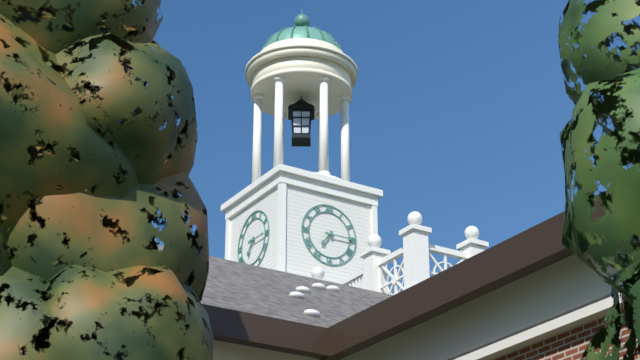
7h15
